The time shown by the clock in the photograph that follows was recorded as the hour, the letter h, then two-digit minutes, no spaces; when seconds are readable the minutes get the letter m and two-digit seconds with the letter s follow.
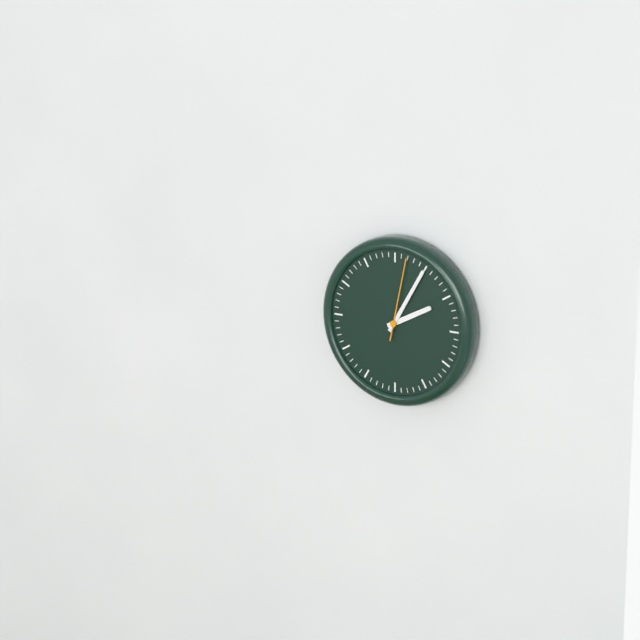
2h05m02s
